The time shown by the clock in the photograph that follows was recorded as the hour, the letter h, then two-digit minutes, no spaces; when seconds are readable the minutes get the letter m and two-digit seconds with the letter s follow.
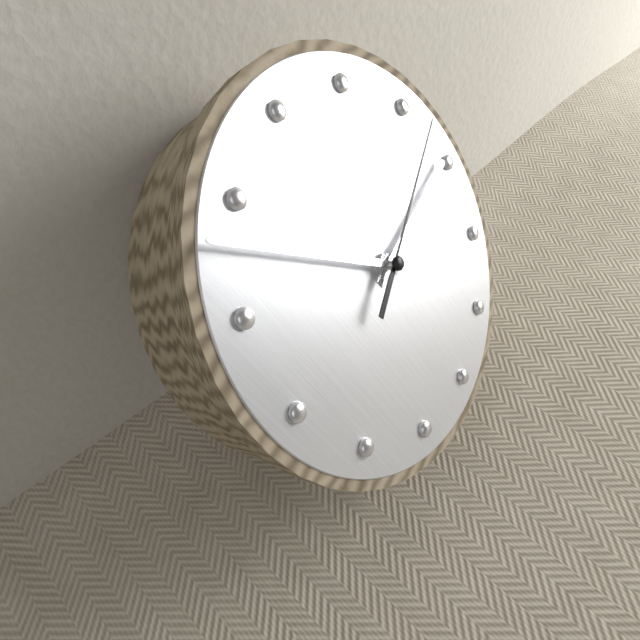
2h53m12s
